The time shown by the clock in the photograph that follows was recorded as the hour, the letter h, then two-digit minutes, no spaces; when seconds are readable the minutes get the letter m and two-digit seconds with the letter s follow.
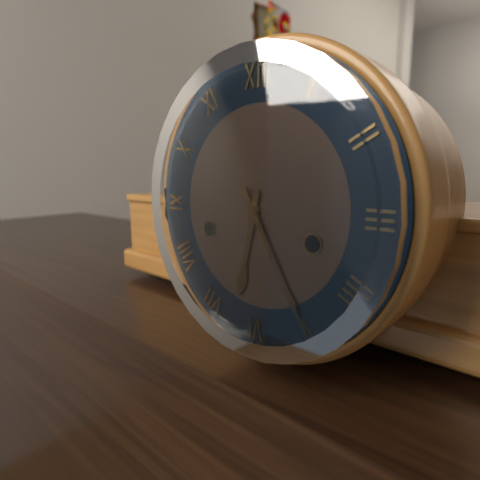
6h25
